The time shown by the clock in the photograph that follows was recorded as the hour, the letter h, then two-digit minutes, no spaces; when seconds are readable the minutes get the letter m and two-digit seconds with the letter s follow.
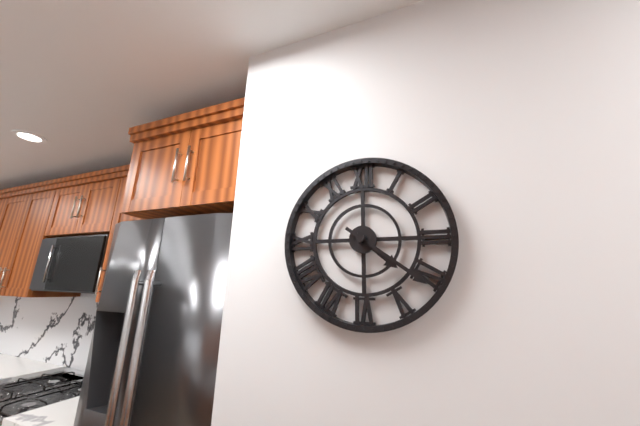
4h21
